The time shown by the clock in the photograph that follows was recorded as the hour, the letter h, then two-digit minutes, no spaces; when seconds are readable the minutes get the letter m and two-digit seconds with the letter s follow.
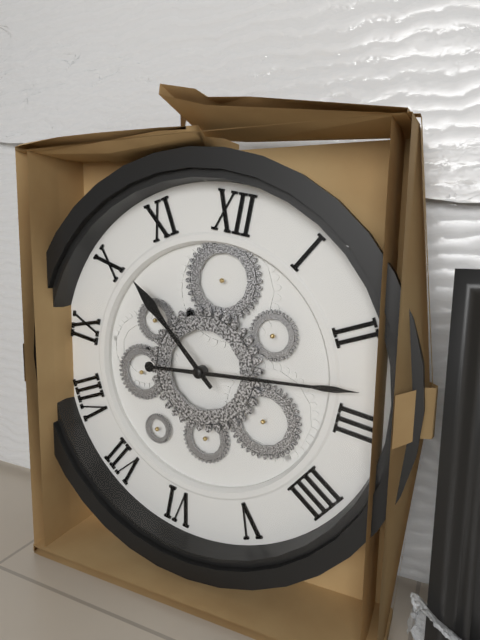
10h13
